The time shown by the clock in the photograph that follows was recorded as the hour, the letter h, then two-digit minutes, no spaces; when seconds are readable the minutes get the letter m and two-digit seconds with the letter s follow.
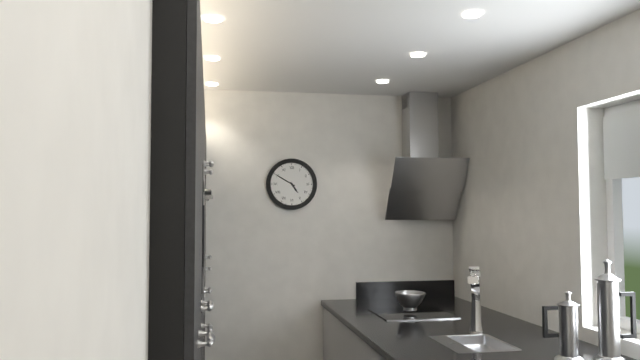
4h50
